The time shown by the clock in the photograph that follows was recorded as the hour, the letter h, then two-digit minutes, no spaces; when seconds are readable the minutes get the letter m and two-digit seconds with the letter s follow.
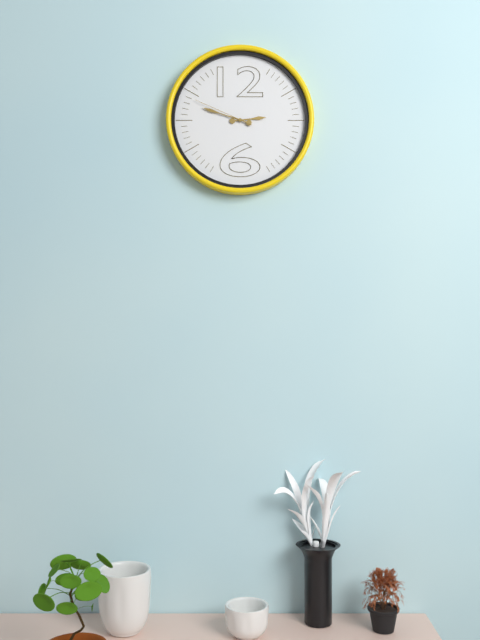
2h48m49s
